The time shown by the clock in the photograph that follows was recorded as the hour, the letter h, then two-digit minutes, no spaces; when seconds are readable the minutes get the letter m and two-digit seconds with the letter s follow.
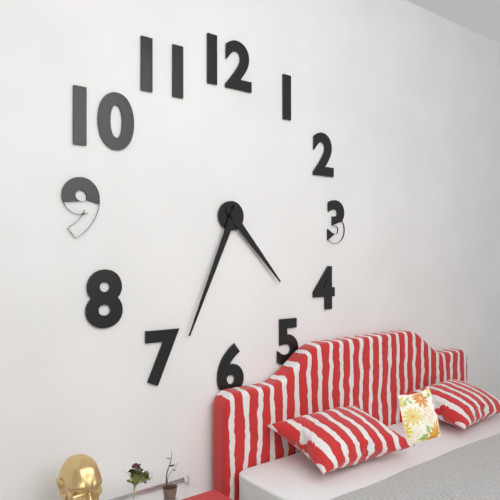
4h34
